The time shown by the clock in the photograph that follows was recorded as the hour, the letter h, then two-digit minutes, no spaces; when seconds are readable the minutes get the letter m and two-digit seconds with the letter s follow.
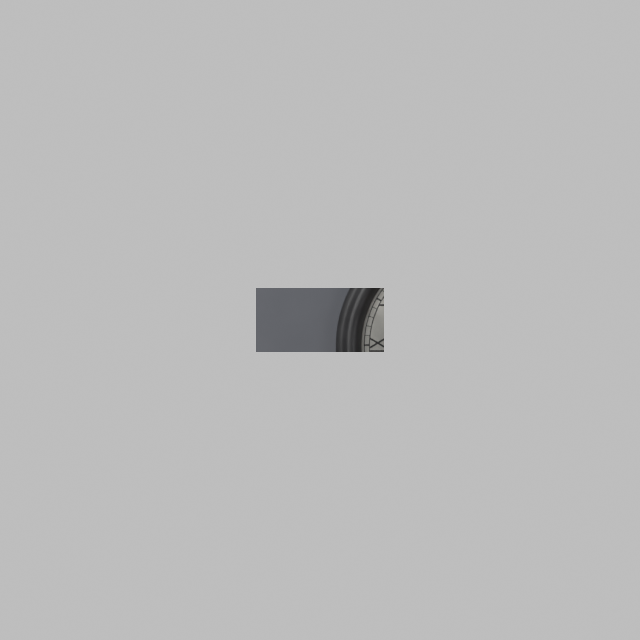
10h36
